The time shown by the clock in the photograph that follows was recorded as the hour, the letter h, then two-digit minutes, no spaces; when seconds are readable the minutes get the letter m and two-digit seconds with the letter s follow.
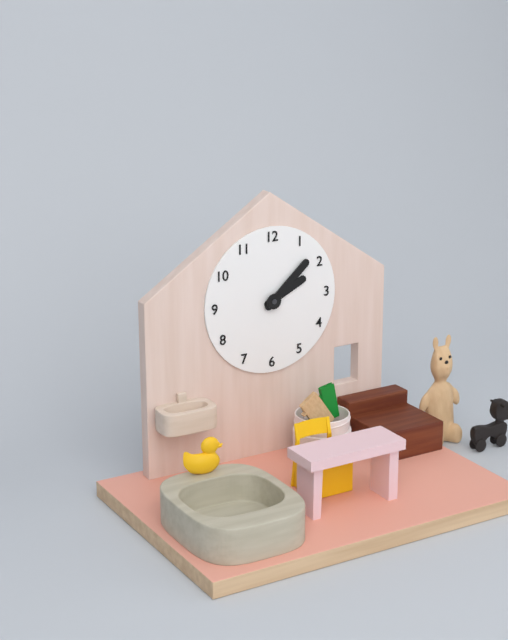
2h08
